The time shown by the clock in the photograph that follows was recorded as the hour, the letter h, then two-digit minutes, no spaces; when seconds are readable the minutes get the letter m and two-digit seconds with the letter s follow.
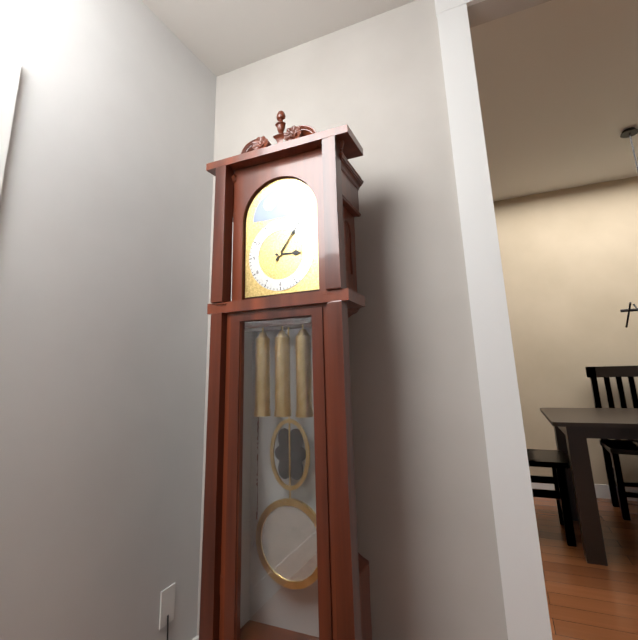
3h06
